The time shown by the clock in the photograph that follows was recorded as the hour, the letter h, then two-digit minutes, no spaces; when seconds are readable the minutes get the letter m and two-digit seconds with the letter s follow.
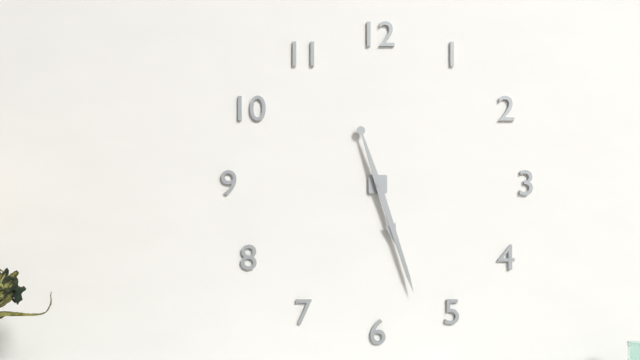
5h27
